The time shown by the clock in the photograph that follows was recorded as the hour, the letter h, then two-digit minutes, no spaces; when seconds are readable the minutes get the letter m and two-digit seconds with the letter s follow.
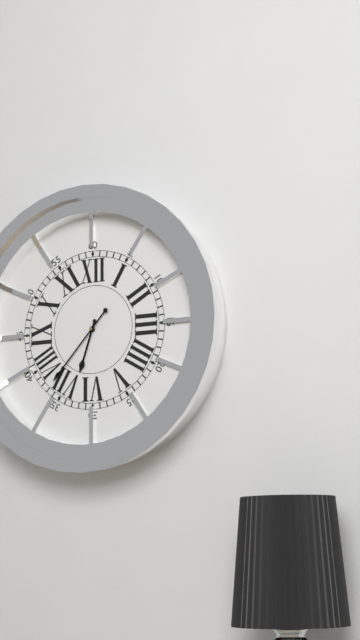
6h37
